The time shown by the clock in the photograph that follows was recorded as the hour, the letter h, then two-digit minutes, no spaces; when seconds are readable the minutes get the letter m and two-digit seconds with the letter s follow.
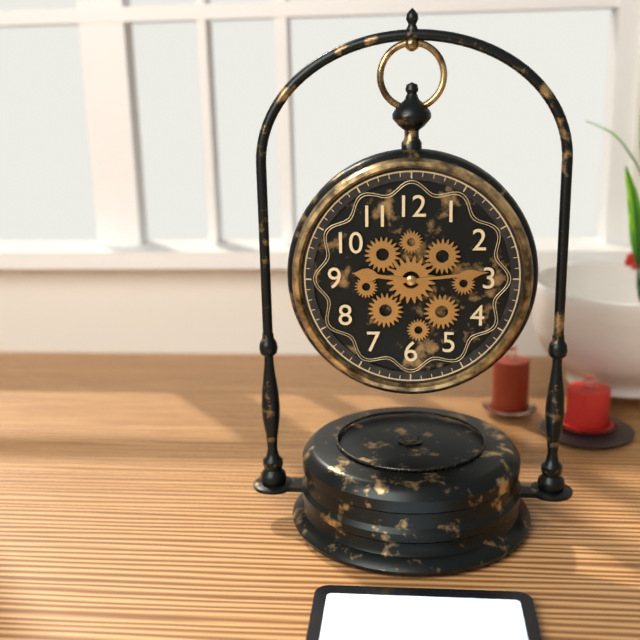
9h14
